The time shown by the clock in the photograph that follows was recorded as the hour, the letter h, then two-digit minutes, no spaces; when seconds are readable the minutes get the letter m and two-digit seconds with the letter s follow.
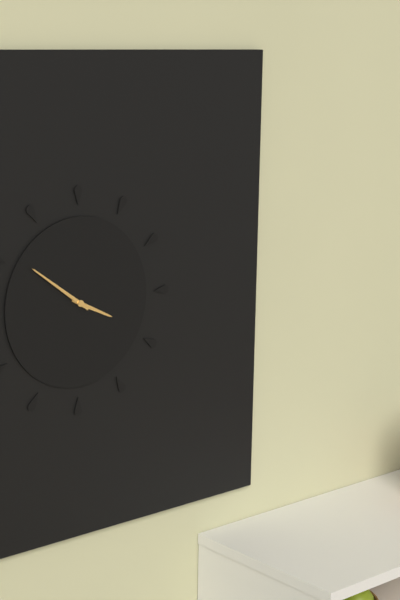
3h51
